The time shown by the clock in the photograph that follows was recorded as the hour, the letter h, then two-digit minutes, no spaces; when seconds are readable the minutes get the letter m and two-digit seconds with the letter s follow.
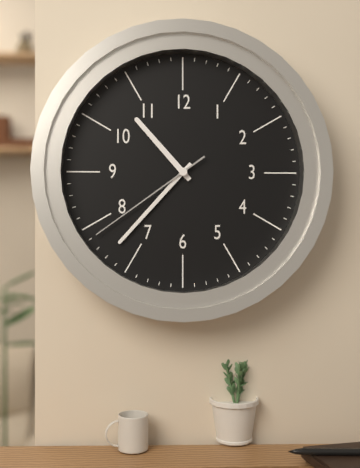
10h37m39s
